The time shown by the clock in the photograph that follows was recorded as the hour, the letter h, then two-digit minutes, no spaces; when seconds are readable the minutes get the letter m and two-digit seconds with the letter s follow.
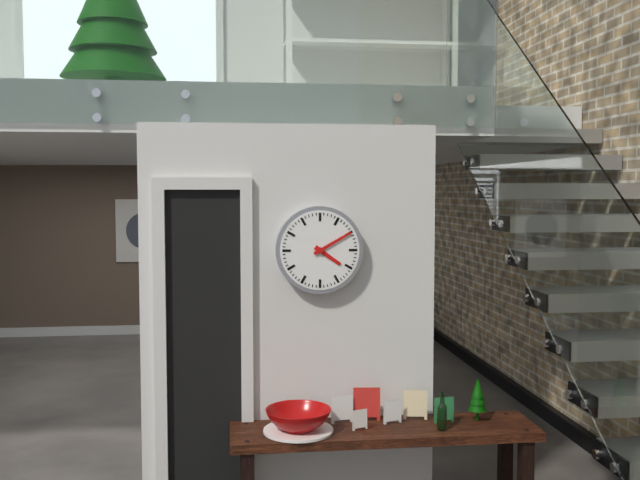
4h10
